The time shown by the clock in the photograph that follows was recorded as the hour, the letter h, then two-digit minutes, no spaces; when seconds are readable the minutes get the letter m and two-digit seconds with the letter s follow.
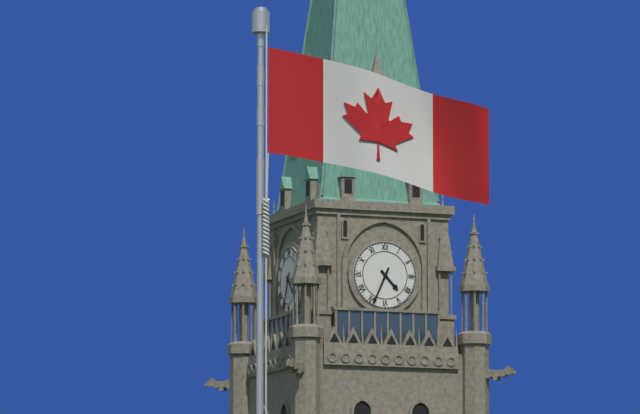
4h34
